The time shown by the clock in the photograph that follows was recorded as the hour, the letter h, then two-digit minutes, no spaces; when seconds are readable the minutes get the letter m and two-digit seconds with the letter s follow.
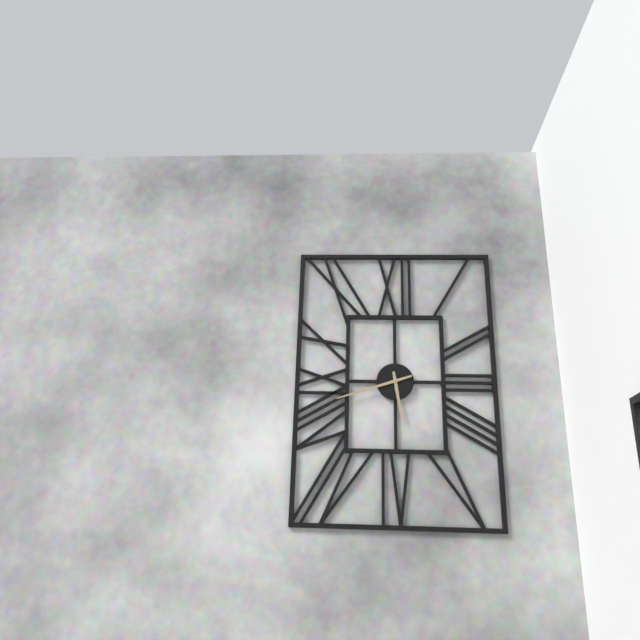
5h42
